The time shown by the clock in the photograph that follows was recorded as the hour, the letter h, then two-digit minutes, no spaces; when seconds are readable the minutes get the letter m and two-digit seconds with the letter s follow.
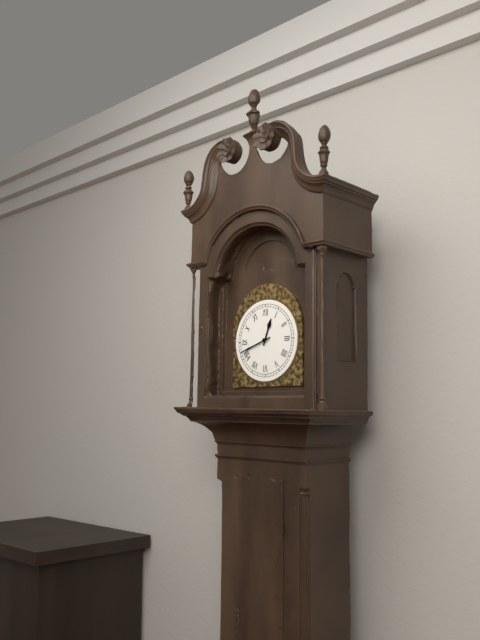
12h42
